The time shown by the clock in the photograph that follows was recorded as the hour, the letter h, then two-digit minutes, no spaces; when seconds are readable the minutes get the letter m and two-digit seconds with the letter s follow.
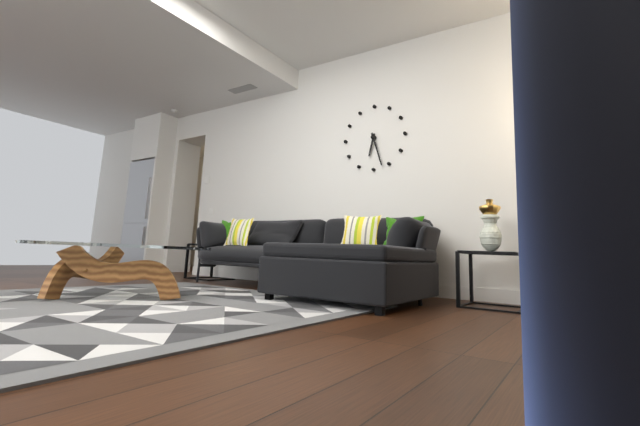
6h27
